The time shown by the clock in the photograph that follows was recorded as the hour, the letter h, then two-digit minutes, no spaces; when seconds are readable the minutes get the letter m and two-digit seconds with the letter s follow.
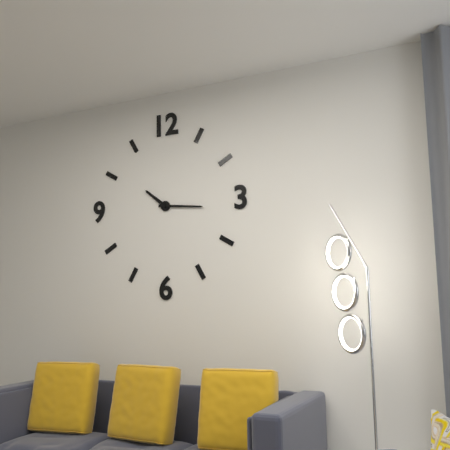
10h16
